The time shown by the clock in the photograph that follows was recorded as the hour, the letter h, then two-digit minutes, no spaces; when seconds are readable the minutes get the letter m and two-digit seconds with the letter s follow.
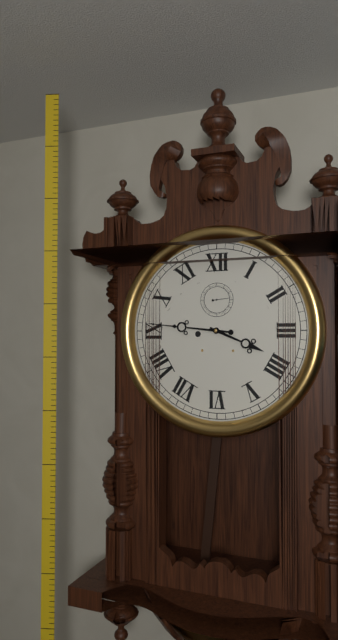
3h46
